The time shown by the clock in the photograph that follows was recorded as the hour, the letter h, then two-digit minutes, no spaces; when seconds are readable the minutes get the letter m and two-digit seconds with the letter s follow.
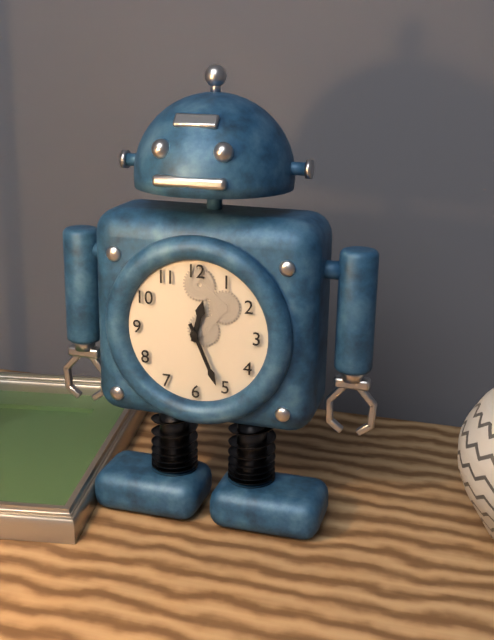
12h26
